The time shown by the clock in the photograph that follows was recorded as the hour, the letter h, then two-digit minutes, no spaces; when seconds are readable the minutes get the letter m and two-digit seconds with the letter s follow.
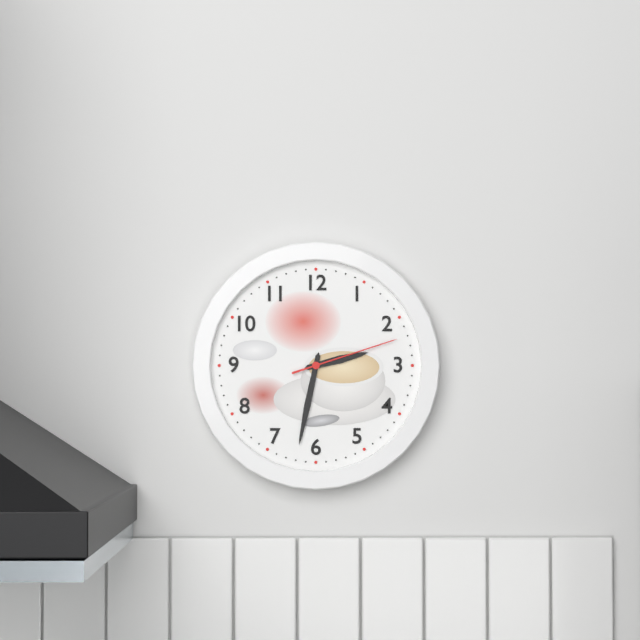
2h32m12s
